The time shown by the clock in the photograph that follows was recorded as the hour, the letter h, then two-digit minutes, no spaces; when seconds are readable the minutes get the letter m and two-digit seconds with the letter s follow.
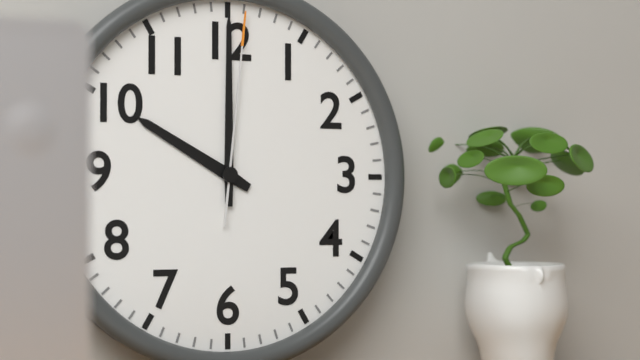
10h00m01s
